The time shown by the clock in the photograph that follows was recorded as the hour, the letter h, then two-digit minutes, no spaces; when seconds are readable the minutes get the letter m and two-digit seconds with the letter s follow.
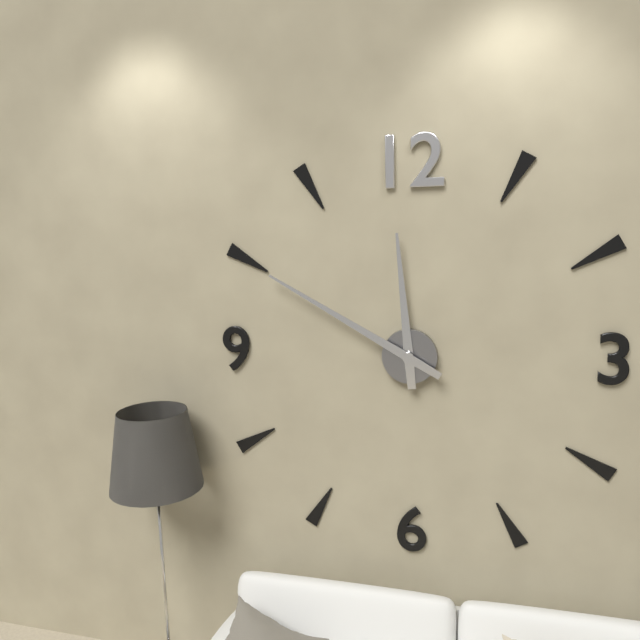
11h50
